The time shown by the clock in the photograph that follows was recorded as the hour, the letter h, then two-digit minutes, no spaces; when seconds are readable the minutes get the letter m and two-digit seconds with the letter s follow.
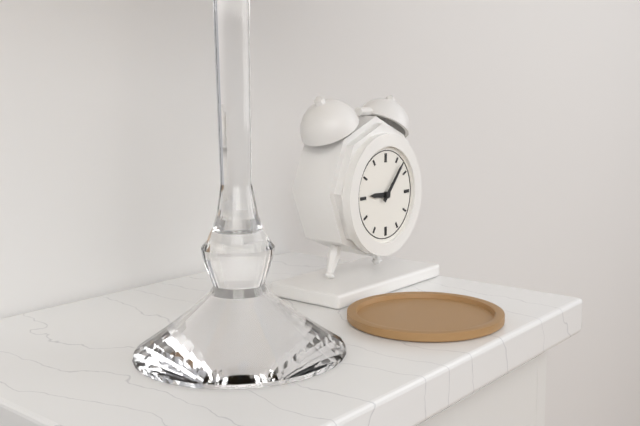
9h07
